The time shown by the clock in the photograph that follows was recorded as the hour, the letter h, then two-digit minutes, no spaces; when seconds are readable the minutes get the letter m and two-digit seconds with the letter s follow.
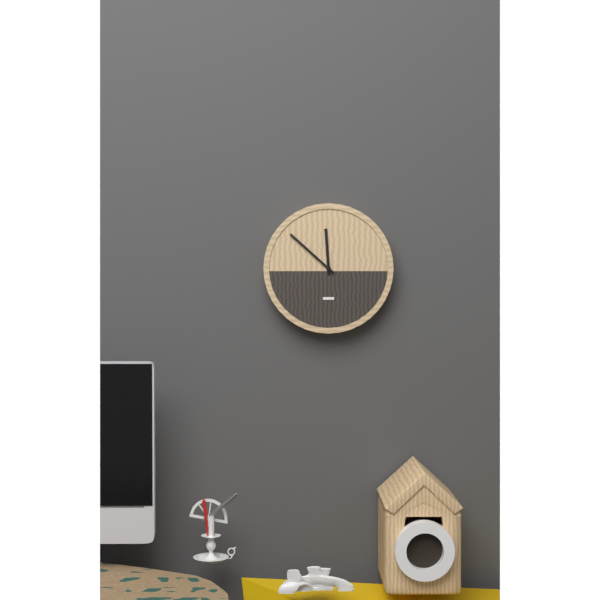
11h52
